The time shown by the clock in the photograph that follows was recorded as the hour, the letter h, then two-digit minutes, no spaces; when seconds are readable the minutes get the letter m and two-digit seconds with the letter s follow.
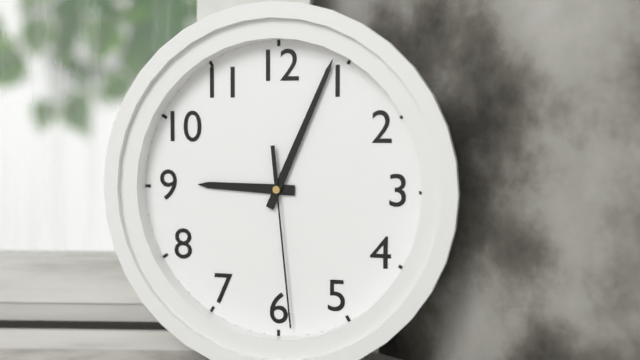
9h04m29s
